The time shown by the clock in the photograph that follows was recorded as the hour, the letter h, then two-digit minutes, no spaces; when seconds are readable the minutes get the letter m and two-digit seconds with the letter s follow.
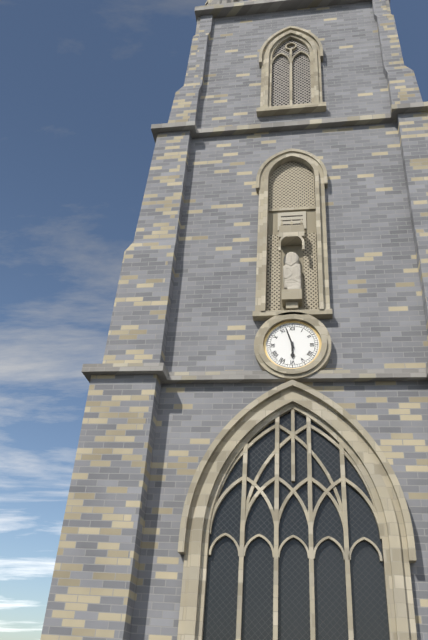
5h57
